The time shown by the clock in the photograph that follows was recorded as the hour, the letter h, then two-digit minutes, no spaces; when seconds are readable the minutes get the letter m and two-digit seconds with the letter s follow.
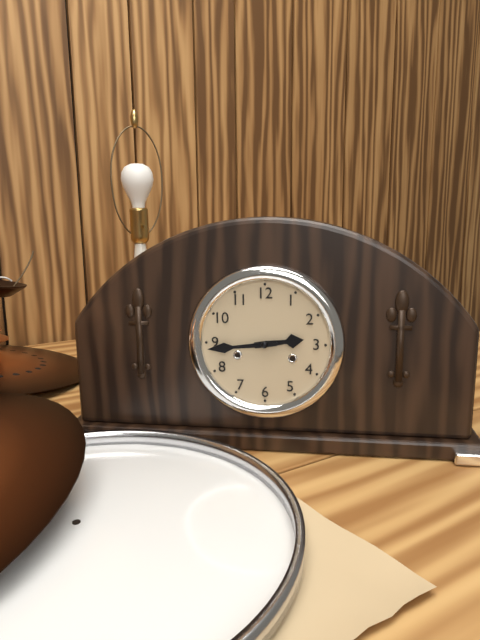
2h44
